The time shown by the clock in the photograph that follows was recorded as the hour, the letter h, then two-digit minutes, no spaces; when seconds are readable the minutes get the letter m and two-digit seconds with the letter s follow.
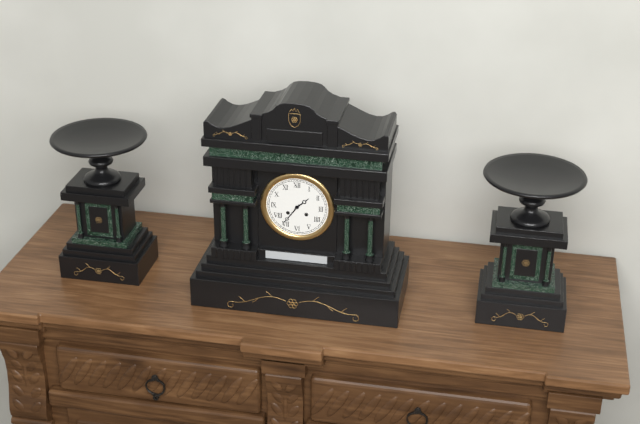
1h36
